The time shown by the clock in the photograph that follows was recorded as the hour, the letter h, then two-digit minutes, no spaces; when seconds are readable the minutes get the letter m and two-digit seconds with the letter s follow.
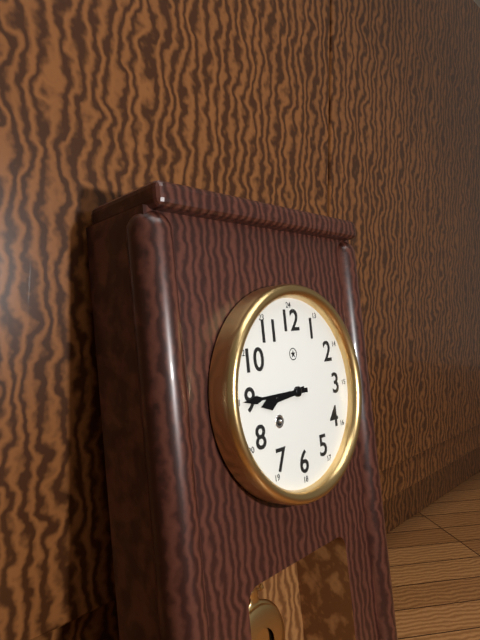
8h45
